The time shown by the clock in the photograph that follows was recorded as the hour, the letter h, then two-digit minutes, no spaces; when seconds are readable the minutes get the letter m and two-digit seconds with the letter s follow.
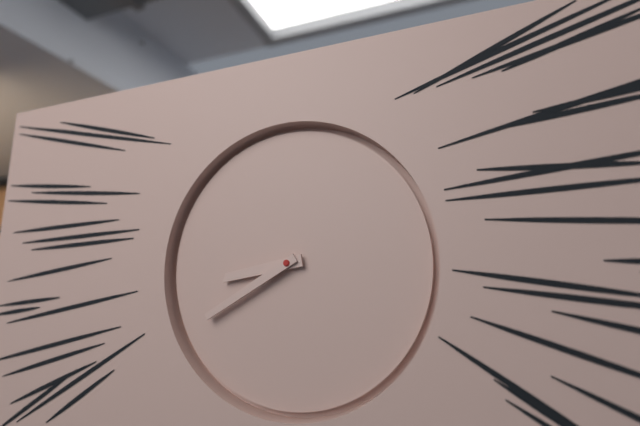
8h40
